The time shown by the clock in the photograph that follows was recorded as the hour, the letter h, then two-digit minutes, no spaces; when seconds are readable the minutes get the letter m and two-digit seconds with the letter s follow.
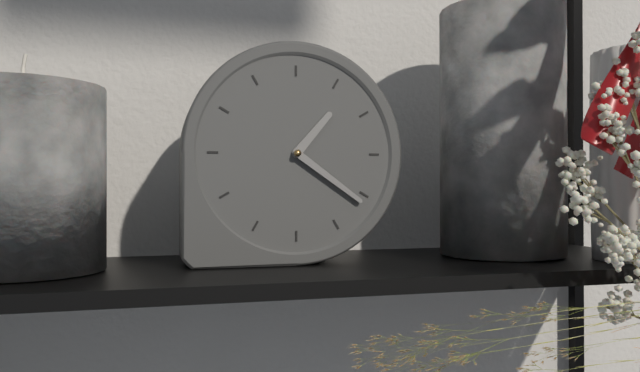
1h21
